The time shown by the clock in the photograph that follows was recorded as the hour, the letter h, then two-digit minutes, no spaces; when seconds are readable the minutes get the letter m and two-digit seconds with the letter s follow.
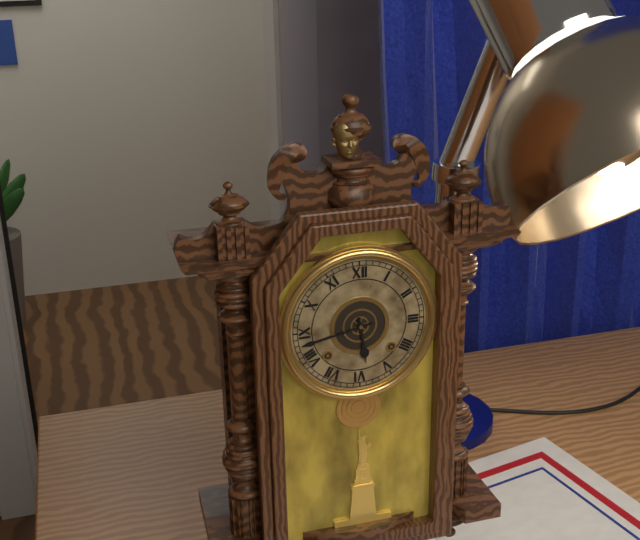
5h43
